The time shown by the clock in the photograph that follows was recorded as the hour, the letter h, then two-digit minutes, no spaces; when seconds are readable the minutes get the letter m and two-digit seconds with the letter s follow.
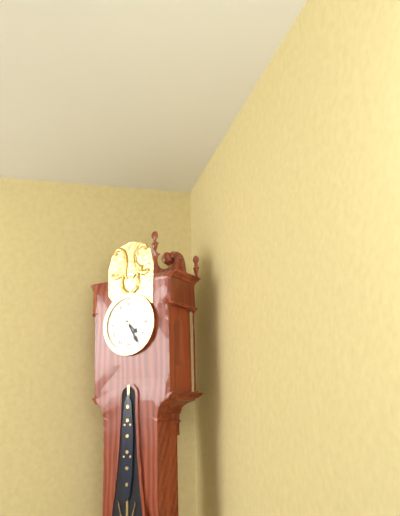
4h25
